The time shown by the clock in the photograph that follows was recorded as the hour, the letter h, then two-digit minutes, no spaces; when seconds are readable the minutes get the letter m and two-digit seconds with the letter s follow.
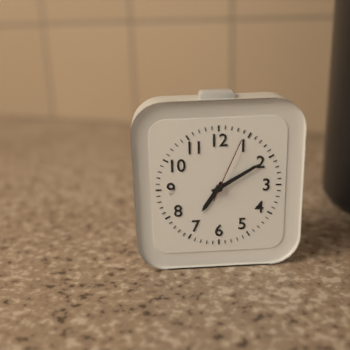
7h10m04s
